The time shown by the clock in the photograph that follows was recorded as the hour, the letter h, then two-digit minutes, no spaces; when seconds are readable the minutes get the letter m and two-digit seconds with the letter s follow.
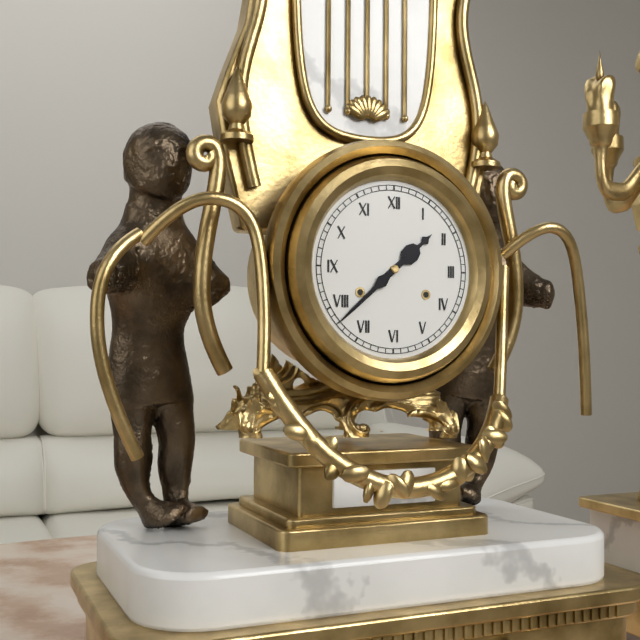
1h38
